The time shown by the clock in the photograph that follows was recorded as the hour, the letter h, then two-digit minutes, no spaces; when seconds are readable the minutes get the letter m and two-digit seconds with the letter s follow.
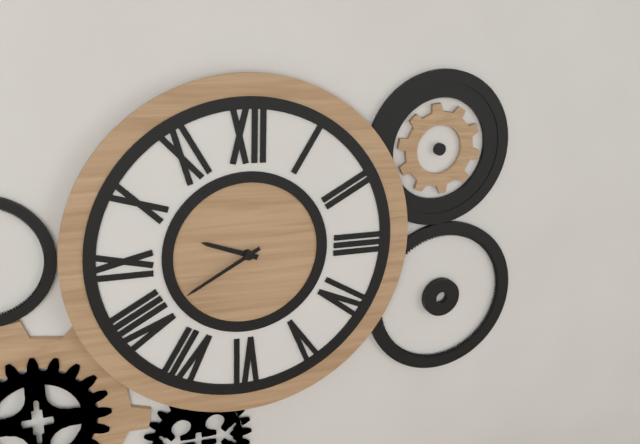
9h40
